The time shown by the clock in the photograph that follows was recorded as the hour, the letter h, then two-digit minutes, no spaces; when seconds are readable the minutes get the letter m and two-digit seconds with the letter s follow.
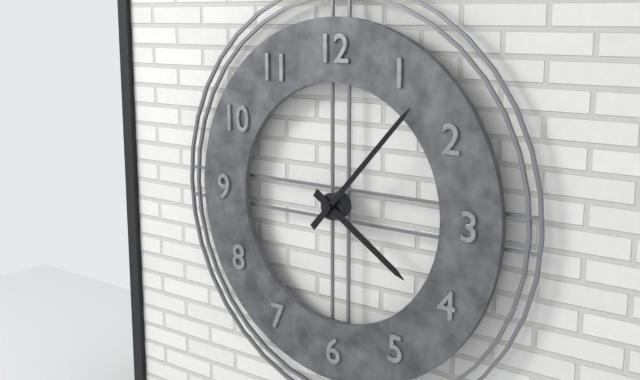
4h07
